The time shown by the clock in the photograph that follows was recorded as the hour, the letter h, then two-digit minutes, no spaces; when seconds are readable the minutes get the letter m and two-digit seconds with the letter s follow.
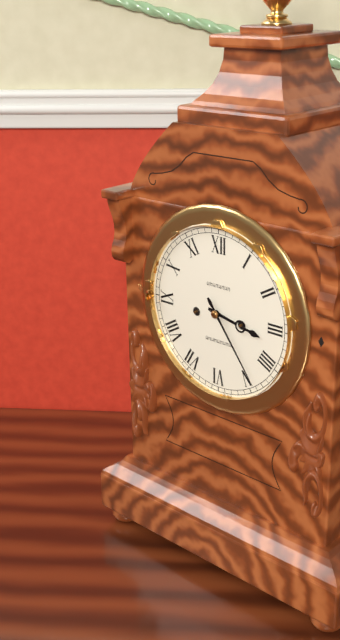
3h24
